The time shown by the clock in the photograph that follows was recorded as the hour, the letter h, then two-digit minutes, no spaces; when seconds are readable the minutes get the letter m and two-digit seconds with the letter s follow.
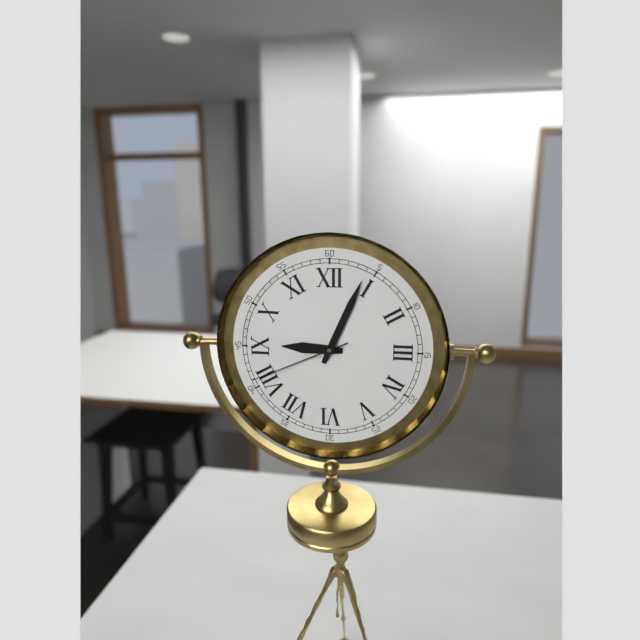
9h04m41s
